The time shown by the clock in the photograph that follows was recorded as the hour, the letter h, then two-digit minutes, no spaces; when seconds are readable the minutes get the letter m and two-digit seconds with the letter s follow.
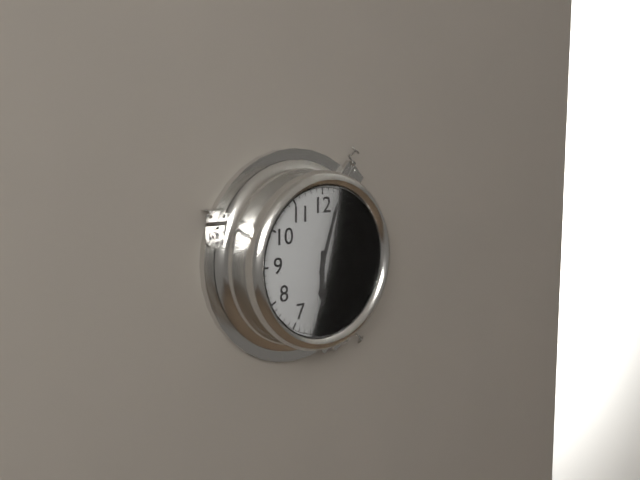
6h03
